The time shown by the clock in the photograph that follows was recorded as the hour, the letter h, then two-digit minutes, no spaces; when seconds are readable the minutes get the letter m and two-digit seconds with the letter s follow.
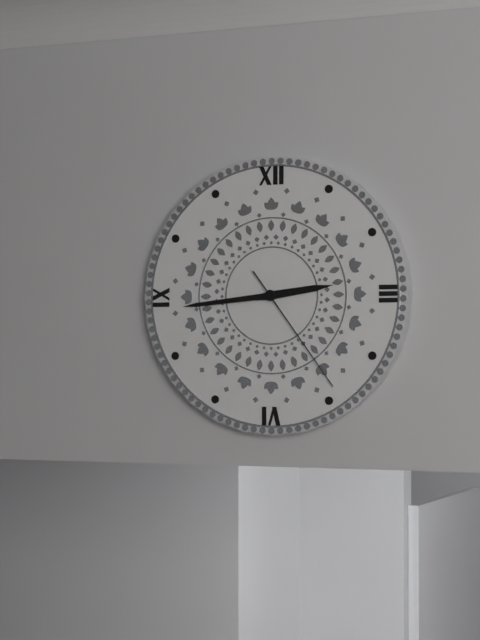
2h44m24s
